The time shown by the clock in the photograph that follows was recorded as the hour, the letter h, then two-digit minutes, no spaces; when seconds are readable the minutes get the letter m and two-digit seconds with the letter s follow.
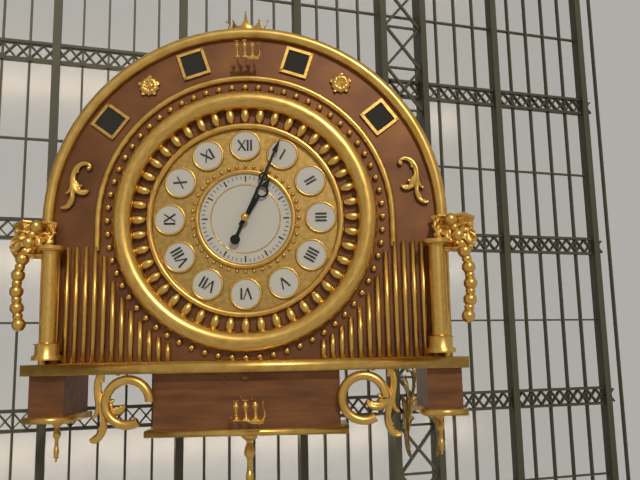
1h04
